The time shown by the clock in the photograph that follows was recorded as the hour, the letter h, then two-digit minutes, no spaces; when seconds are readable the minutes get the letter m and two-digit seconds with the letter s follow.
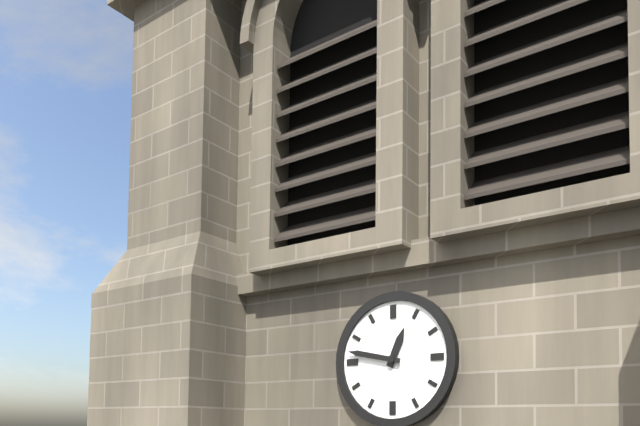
12h47
